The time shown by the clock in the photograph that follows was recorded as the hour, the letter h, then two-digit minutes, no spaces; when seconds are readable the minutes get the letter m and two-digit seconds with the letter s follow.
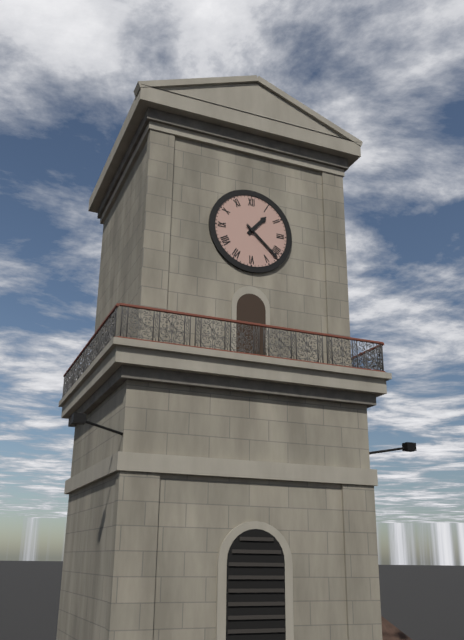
1h22
